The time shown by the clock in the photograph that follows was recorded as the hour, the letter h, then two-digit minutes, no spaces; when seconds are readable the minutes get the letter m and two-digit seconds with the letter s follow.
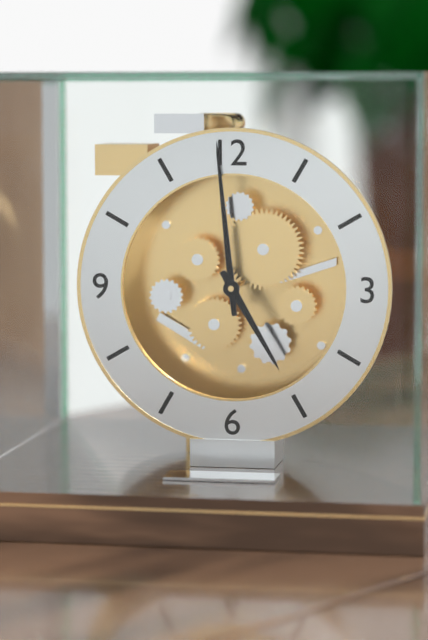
4h59
